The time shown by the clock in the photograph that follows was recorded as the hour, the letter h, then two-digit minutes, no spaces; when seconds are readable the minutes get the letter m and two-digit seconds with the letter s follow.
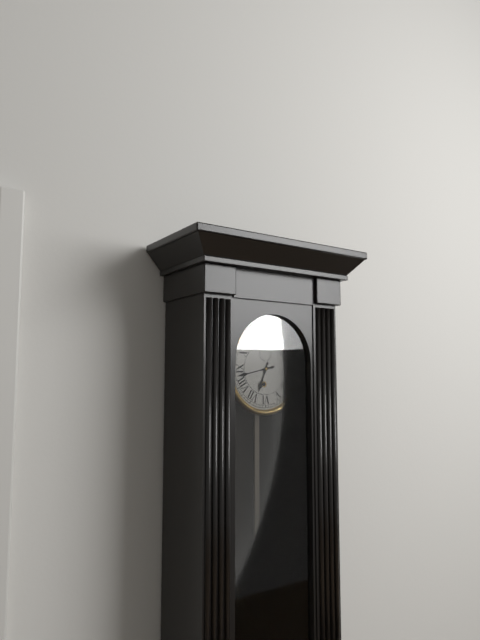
6h43
